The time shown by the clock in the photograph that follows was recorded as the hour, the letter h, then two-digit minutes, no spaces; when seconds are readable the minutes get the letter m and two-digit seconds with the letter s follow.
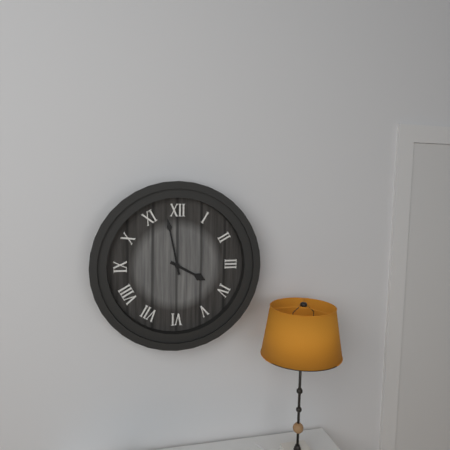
3h58
